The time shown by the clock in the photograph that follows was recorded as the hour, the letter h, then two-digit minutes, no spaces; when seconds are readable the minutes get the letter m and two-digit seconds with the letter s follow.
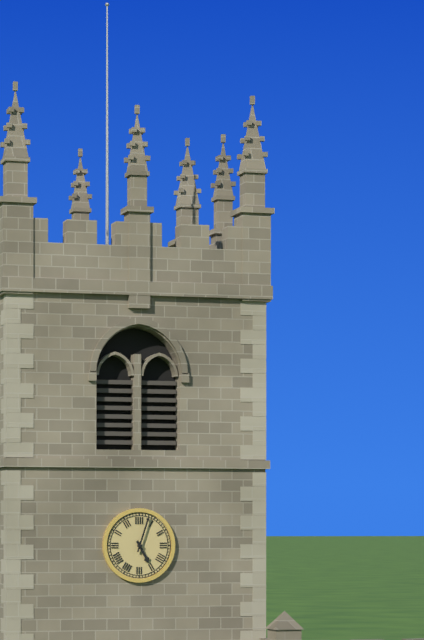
5h03
